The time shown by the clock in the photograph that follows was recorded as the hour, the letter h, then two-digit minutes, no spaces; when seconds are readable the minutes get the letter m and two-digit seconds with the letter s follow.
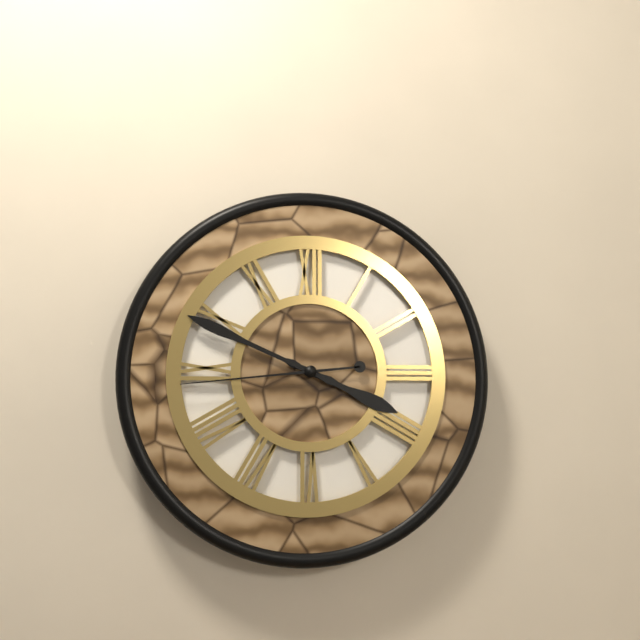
3h49m44s
